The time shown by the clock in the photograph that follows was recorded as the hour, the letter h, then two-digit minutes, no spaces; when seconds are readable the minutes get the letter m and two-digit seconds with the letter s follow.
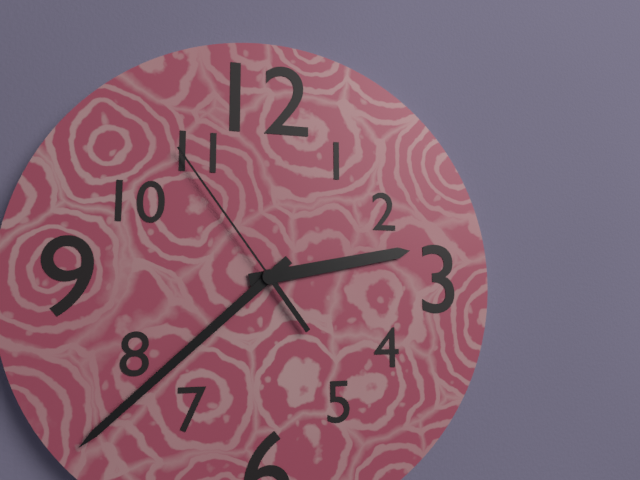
2h38m54s
